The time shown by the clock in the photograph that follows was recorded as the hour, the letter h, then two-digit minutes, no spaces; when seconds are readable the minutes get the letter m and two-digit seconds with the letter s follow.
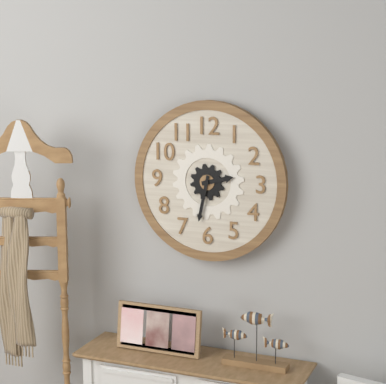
2h32
